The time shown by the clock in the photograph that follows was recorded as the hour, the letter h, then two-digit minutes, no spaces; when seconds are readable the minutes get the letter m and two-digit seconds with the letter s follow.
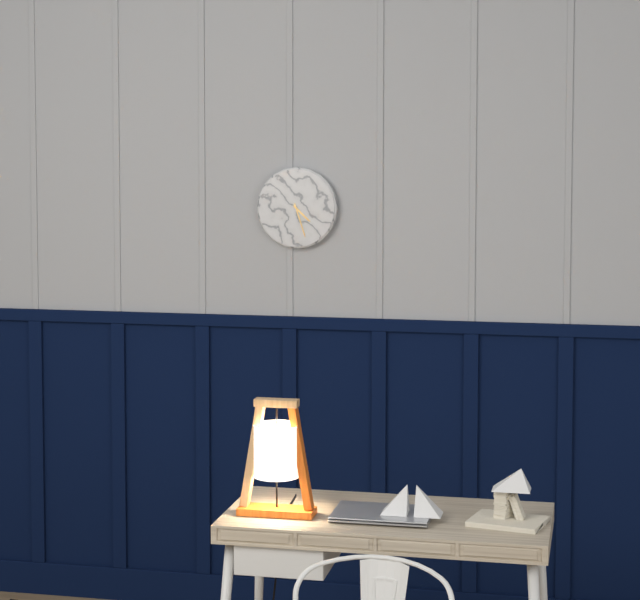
4h27
